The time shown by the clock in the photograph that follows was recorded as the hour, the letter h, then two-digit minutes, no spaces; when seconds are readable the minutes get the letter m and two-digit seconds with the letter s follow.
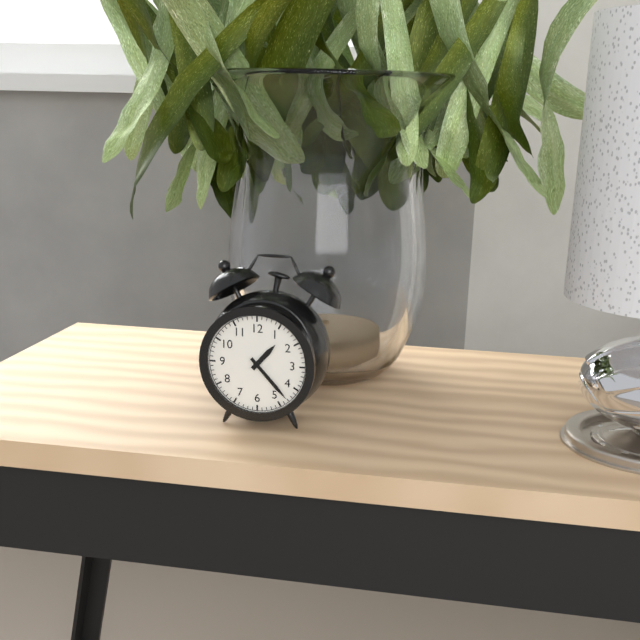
1h23
